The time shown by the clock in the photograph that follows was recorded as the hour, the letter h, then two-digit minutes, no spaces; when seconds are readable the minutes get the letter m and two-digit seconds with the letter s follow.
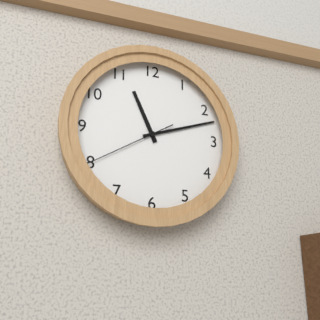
11h12m40s
